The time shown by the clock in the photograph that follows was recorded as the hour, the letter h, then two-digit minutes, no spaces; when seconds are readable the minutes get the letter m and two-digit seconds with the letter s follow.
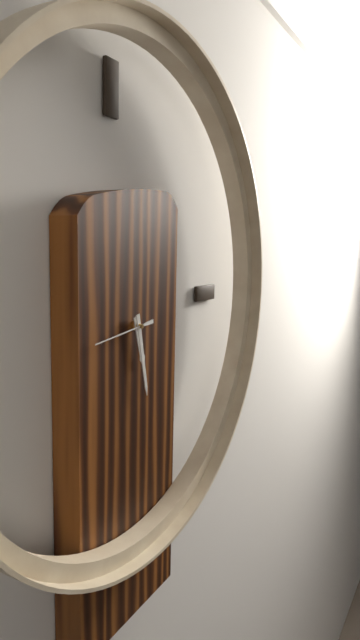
5h28
